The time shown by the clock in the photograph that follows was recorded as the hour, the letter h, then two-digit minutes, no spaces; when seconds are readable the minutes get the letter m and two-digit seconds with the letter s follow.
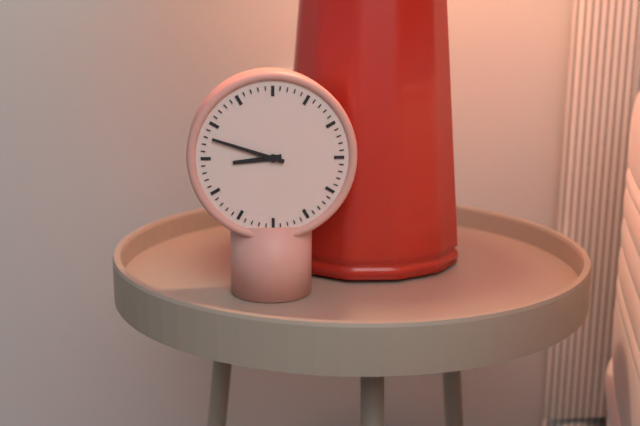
8h48
